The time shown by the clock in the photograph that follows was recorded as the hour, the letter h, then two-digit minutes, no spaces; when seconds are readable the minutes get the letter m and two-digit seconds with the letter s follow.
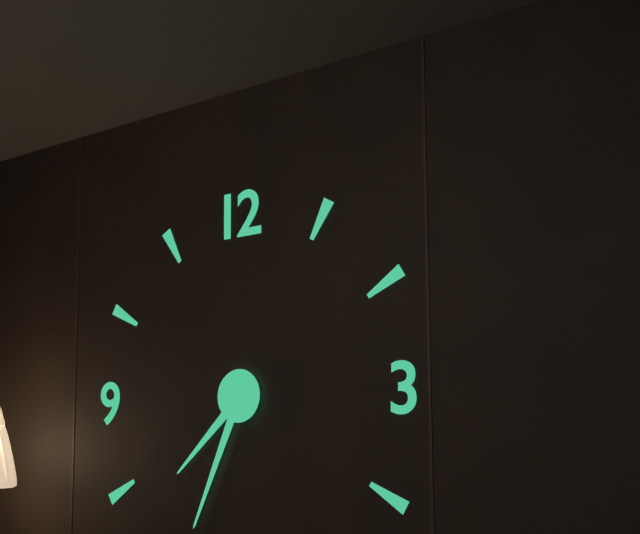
7h34
